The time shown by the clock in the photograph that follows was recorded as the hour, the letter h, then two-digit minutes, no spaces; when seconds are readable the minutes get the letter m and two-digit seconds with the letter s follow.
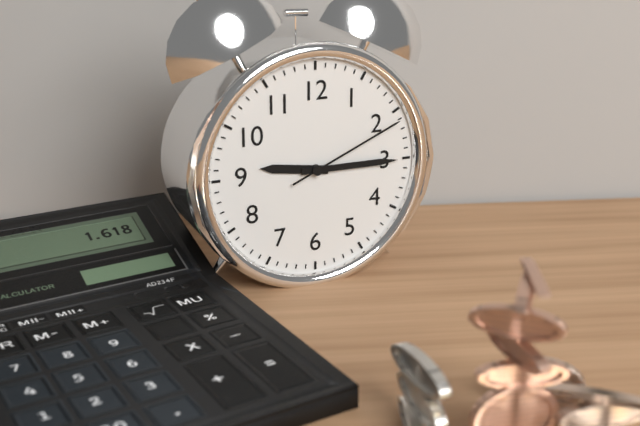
9h15m11s
